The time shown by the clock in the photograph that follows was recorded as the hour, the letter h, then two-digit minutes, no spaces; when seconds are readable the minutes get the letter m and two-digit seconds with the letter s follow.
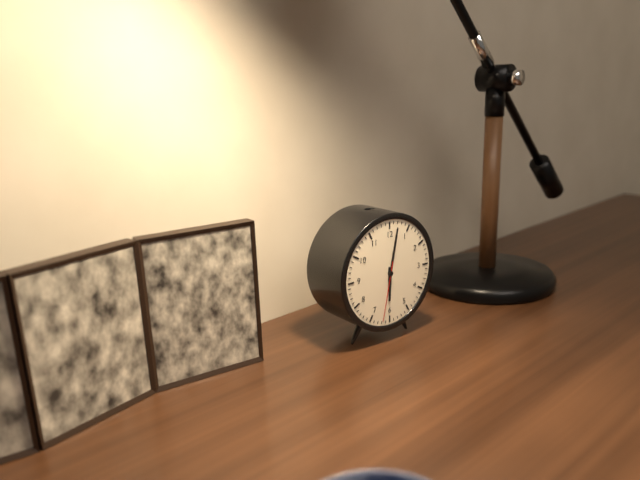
6h02m32s
